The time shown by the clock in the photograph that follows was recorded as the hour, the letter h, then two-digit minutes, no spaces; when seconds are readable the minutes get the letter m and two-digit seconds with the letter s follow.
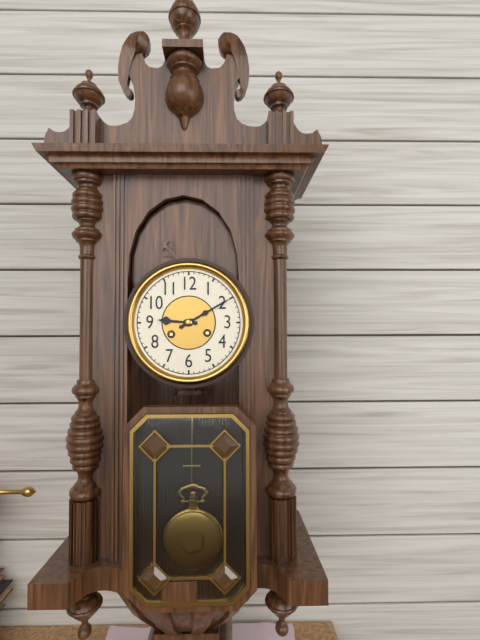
9h10
